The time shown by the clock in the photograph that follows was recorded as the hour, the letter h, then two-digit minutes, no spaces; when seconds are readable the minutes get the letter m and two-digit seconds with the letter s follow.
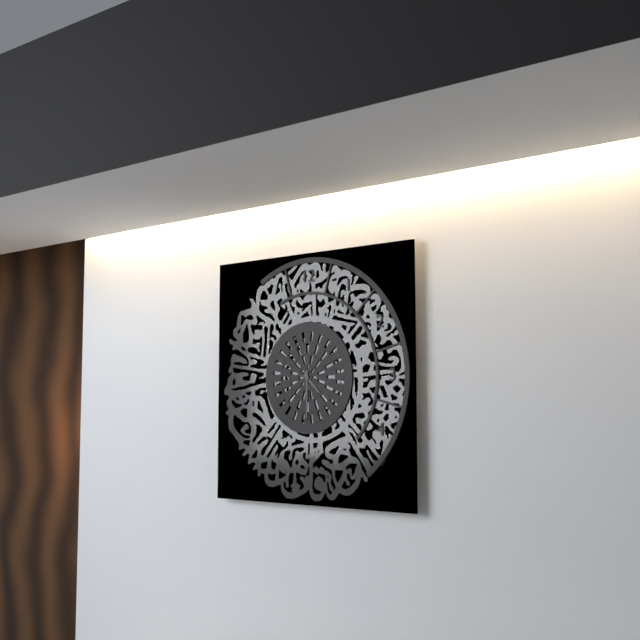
4h30
